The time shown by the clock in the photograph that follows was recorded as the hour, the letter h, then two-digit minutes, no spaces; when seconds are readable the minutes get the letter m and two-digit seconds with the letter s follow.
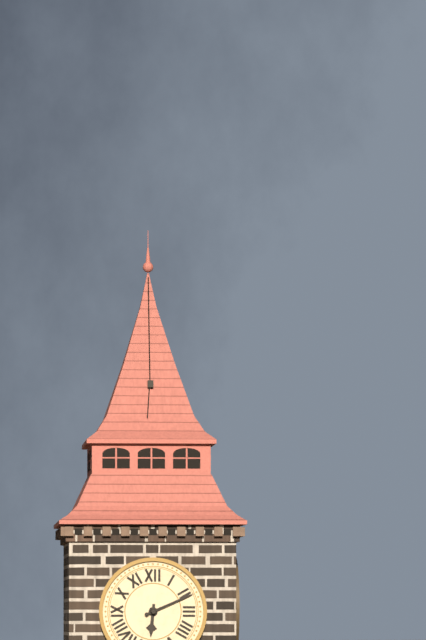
6h11
